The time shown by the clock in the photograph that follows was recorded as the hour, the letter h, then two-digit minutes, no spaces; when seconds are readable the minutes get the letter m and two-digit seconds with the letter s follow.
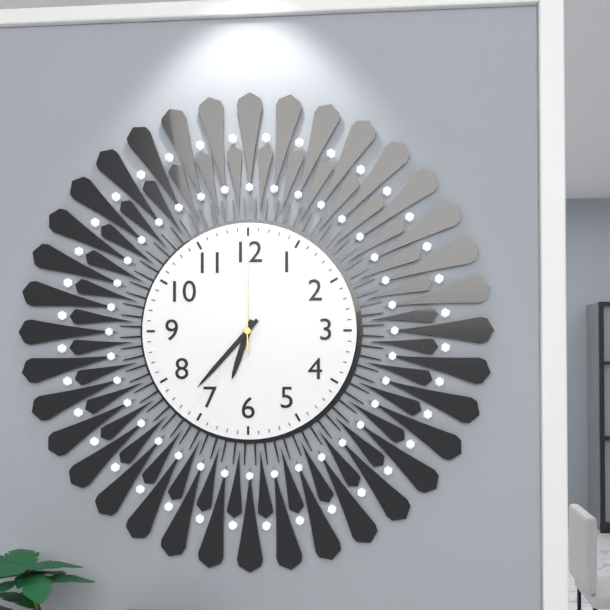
6h37m00s
